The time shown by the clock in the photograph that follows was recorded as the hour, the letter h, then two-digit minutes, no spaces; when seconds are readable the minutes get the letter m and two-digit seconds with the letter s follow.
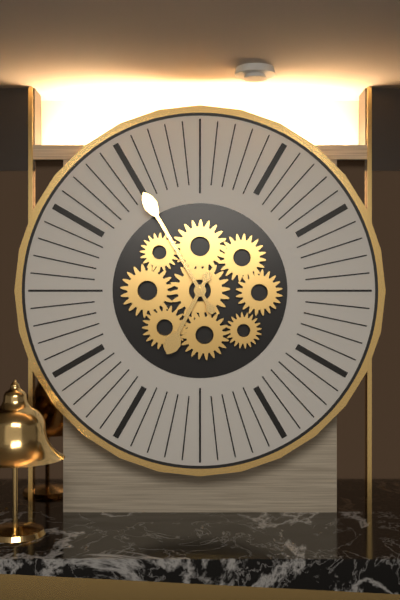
6h55
